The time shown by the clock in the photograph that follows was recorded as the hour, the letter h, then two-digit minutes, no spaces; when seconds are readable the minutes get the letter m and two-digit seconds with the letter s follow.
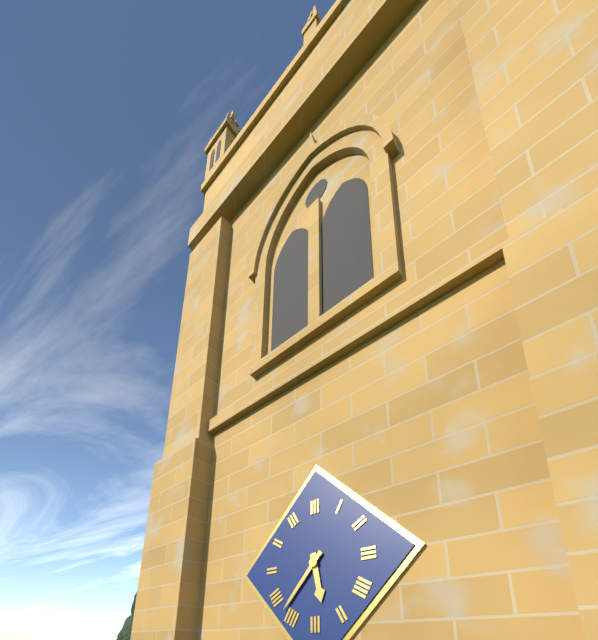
5h37
